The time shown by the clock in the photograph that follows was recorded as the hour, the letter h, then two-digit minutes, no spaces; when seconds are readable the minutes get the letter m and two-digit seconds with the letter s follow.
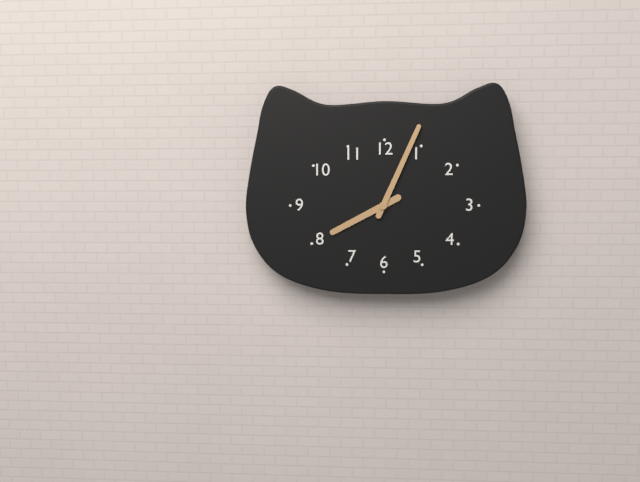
8h04
